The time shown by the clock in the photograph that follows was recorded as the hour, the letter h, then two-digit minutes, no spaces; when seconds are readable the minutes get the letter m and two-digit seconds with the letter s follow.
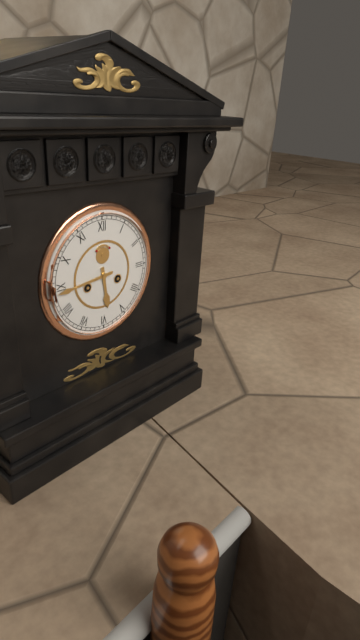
5h44
